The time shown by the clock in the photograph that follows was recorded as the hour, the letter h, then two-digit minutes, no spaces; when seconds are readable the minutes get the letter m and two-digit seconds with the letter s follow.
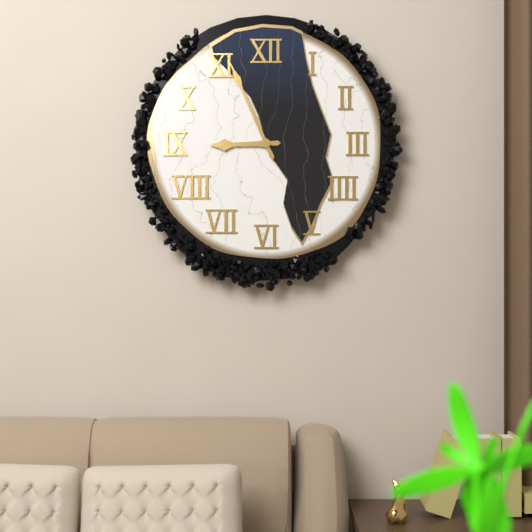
8h56
